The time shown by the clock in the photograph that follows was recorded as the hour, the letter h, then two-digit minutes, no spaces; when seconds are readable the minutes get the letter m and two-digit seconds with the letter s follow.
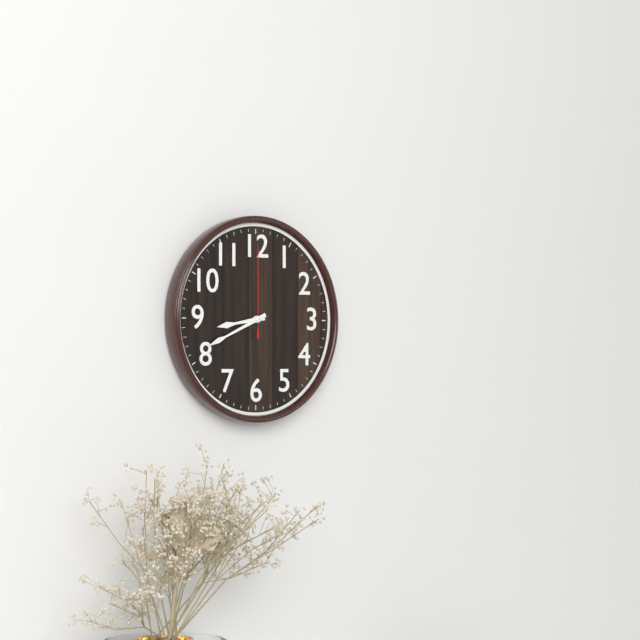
8h41m00s
